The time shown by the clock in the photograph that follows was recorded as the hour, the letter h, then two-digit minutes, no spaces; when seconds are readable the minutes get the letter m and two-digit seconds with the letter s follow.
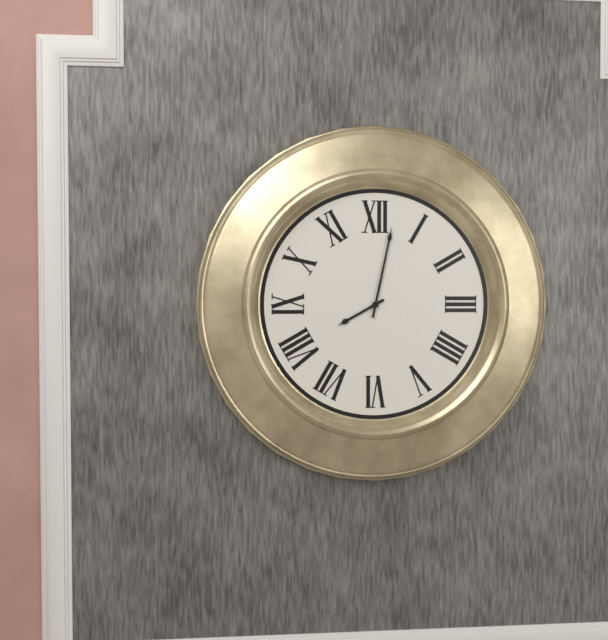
8h02
